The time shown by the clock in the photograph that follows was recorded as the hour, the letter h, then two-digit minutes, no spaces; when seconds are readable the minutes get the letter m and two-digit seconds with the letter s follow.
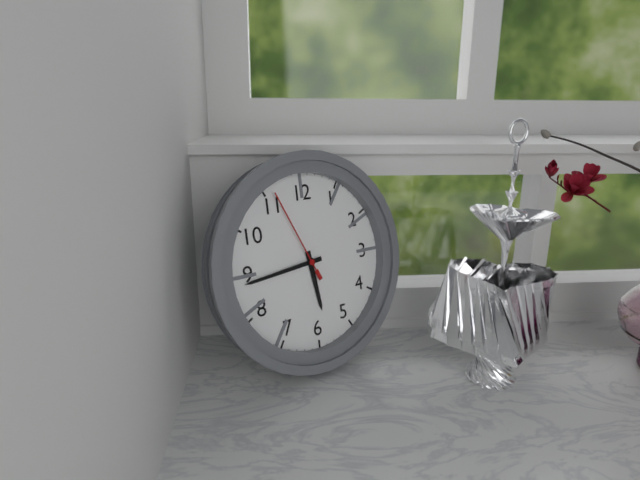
5h44m56s
